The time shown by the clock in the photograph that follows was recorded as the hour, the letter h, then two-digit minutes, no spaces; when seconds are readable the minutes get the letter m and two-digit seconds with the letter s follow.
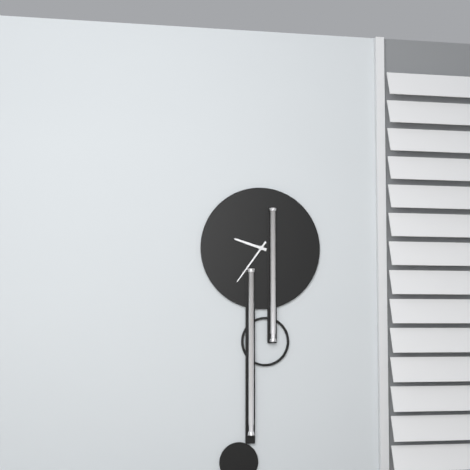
9h36
